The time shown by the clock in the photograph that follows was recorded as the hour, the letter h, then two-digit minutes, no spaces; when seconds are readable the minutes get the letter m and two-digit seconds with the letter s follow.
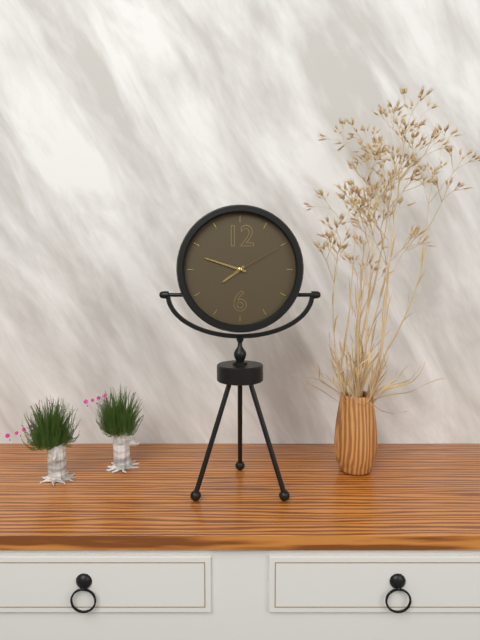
7h48m10s
